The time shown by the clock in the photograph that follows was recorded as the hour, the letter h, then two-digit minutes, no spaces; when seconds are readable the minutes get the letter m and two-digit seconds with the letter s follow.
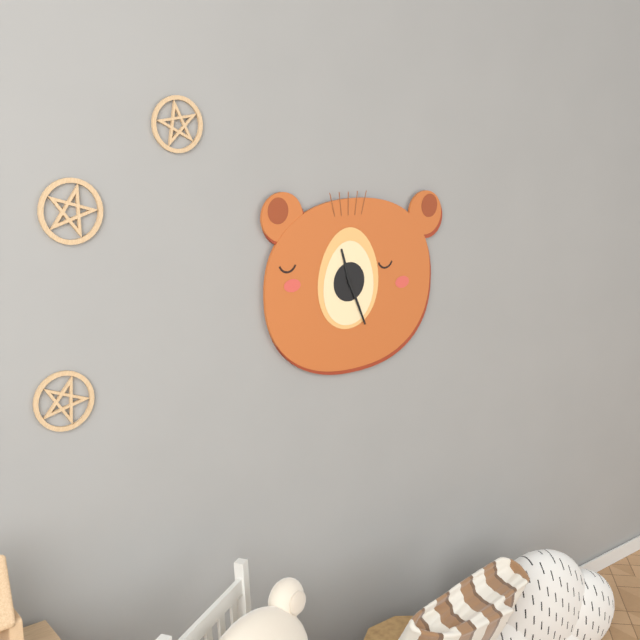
11h26
